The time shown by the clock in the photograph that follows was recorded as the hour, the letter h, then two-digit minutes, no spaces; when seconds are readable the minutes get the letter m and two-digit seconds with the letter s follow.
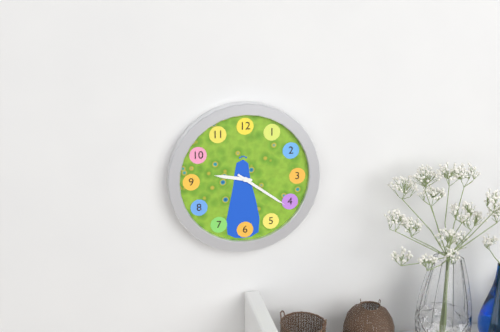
9h21
